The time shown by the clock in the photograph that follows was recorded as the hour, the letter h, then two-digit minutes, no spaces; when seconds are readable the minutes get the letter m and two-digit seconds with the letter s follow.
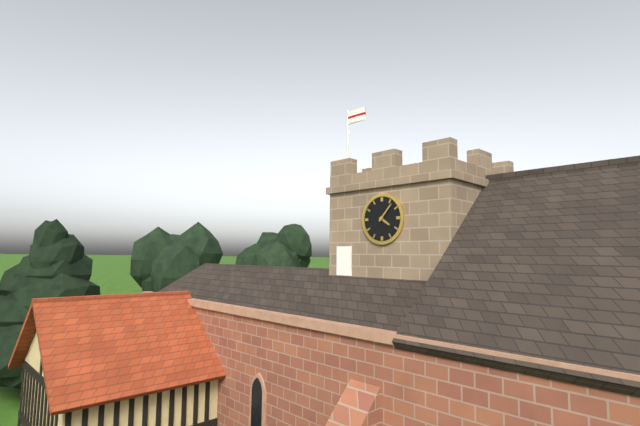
4h07
